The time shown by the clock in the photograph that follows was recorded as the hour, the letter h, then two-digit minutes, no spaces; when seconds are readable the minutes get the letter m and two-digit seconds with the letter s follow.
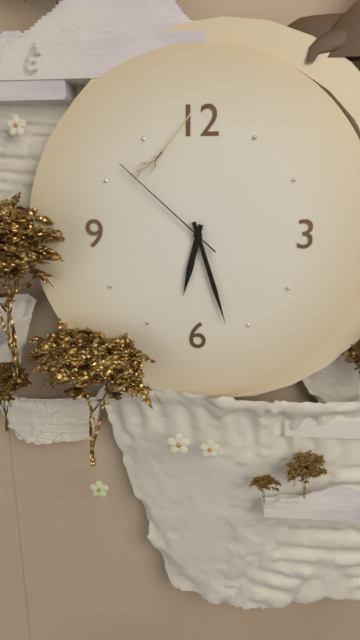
6h27m52s
